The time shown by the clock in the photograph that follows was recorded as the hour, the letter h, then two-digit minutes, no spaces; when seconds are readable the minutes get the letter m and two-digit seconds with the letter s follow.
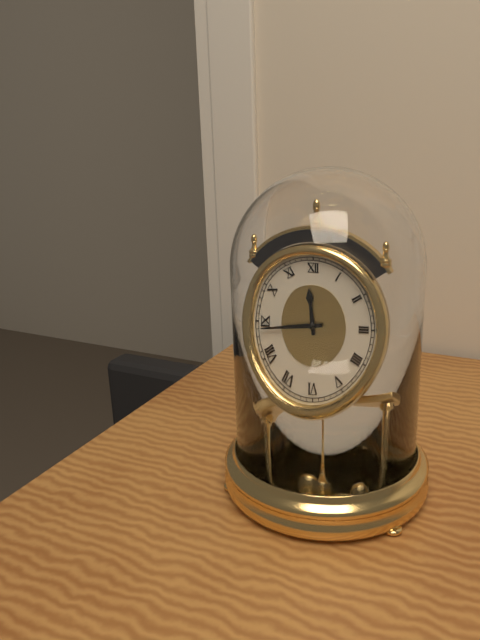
11h44
